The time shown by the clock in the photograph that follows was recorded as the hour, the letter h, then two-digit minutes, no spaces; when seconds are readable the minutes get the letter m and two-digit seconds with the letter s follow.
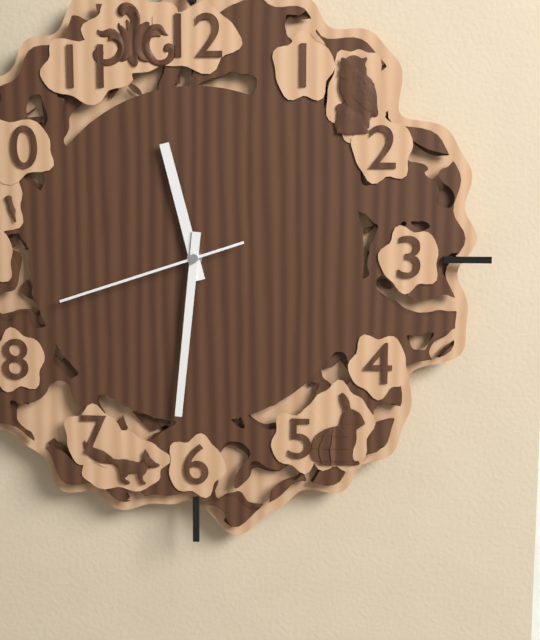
11h31m42s
